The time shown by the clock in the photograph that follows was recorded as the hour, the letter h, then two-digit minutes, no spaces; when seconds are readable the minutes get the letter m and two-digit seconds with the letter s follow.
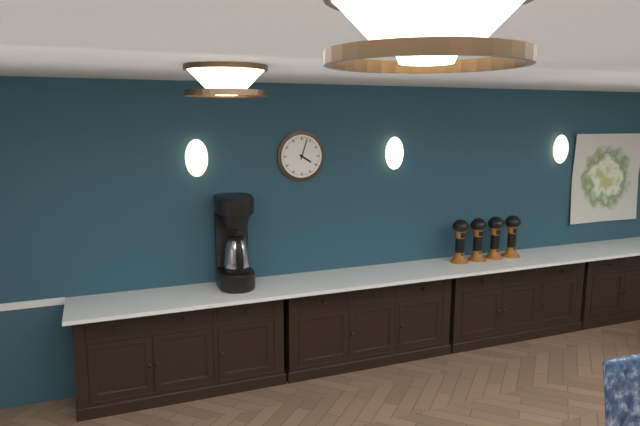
4h03
